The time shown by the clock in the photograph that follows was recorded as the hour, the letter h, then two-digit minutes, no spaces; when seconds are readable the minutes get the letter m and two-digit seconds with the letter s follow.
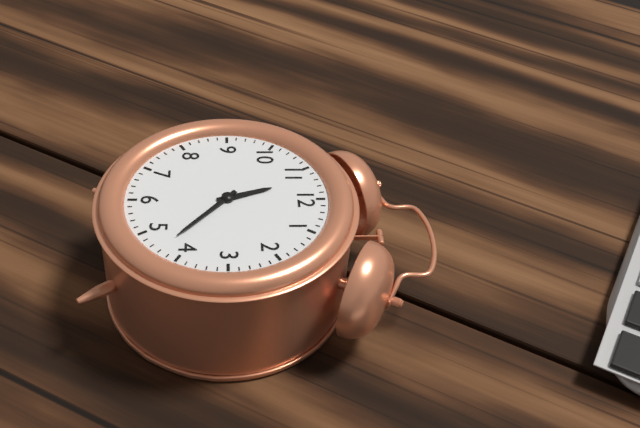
11h22
